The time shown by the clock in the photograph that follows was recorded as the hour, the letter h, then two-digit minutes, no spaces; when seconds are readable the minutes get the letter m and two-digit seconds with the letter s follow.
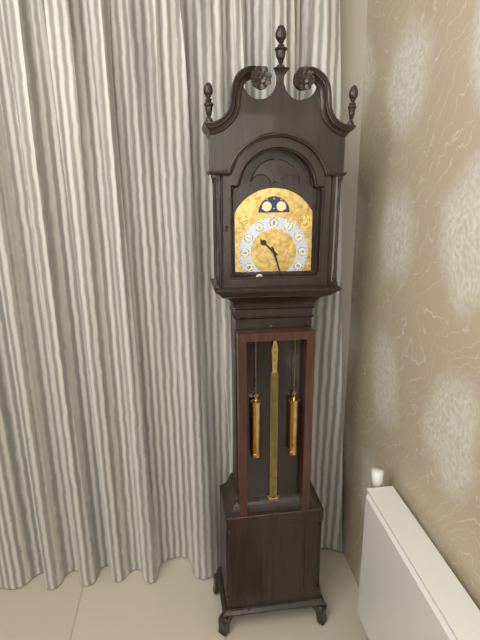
10h27
